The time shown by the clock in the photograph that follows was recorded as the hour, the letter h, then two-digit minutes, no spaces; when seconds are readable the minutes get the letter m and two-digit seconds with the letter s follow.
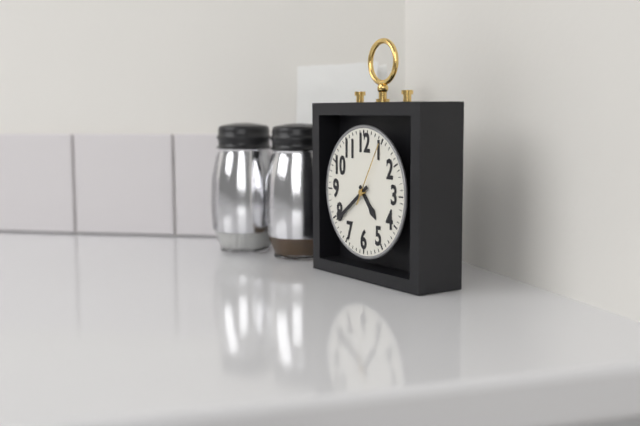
4h39m05s
